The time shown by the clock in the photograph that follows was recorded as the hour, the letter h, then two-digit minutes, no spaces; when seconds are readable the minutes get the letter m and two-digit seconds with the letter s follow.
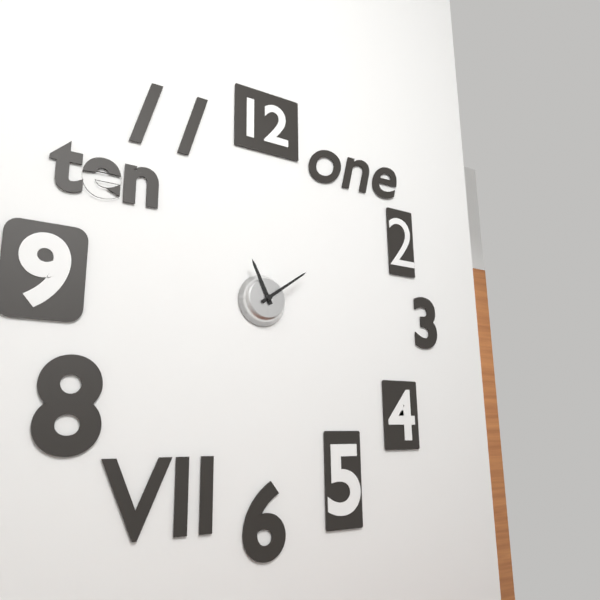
11h09
